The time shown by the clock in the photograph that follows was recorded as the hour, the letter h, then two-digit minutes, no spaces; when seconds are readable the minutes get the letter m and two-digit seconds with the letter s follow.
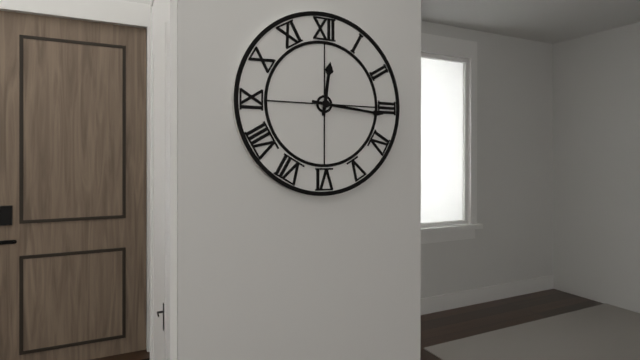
12h16
